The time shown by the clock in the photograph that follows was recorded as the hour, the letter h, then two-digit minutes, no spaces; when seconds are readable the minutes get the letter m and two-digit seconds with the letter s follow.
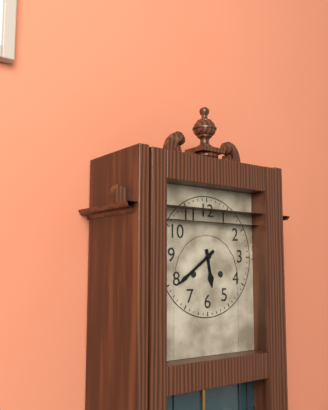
5h39
